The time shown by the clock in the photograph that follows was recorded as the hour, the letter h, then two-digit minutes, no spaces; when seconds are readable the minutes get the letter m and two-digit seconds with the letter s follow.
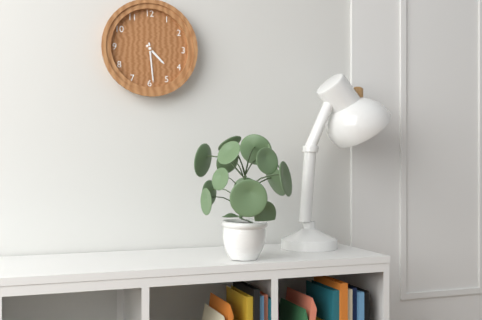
4h29
